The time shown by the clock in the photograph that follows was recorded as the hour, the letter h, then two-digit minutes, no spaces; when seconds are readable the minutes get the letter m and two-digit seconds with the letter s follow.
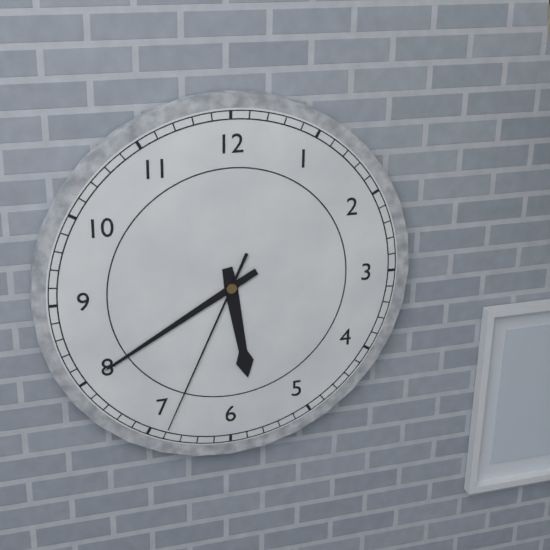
5h40m34s
